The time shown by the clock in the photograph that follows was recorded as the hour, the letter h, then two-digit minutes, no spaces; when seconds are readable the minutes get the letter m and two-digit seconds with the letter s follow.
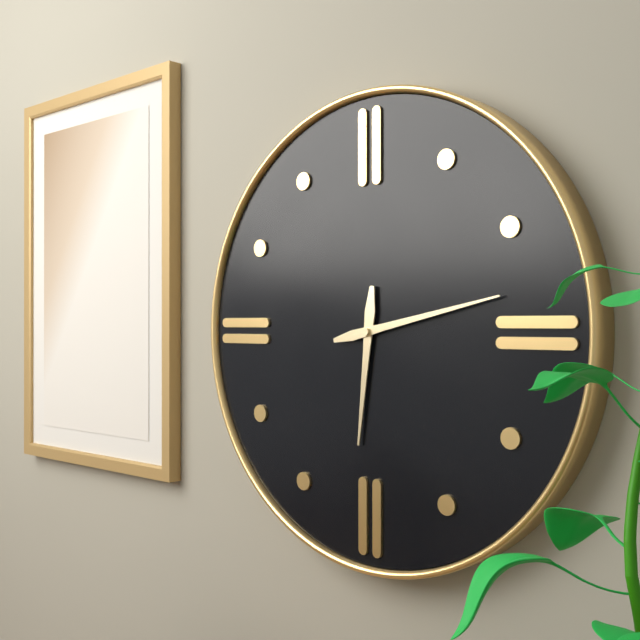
6h13
